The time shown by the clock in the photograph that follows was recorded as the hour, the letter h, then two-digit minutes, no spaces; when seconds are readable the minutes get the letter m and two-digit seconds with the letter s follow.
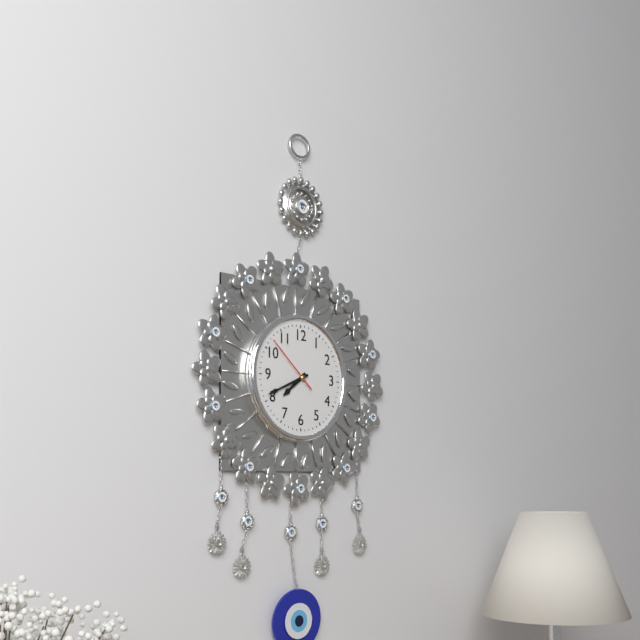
7h41m52s
